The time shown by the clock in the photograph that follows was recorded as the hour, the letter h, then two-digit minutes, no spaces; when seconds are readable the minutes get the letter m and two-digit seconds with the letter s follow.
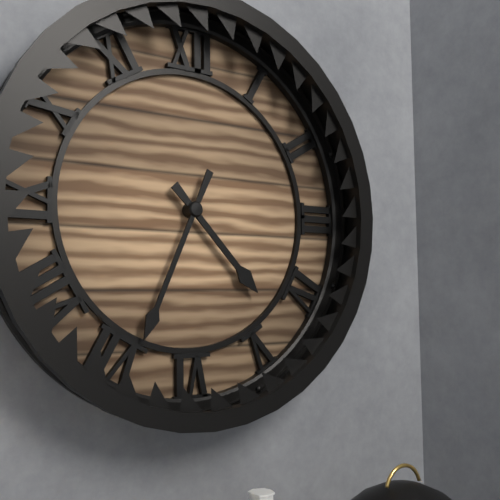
4h34
